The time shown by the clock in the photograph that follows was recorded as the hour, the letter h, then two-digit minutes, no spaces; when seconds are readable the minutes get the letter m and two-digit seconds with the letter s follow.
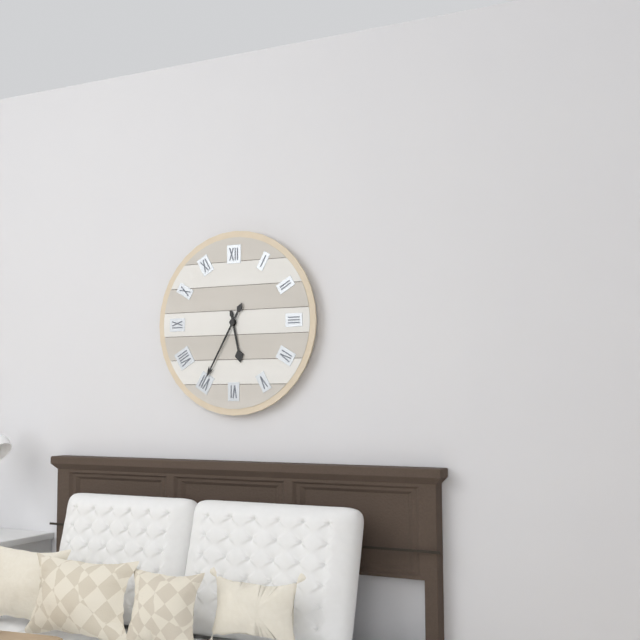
5h35
